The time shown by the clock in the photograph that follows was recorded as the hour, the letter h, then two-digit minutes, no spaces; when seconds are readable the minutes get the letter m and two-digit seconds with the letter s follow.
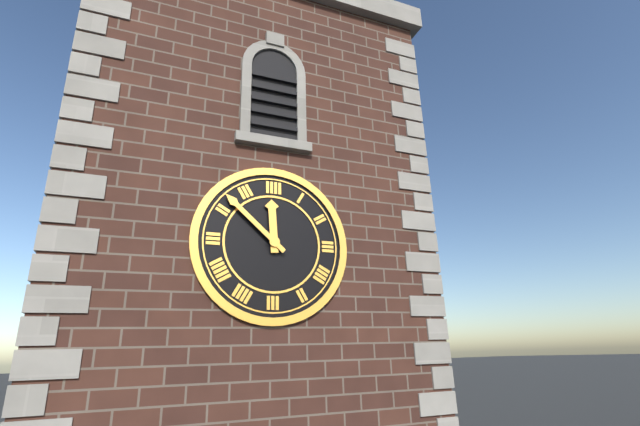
11h52
